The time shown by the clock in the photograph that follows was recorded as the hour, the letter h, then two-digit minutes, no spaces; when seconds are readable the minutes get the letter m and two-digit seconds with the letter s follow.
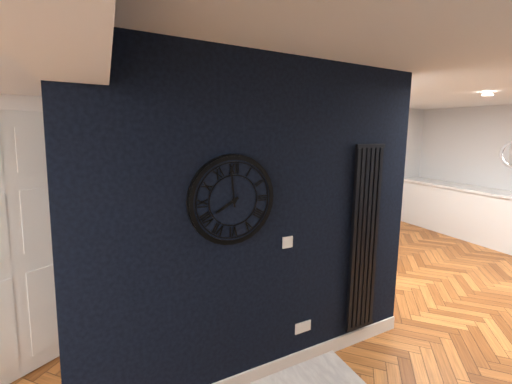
7h59
